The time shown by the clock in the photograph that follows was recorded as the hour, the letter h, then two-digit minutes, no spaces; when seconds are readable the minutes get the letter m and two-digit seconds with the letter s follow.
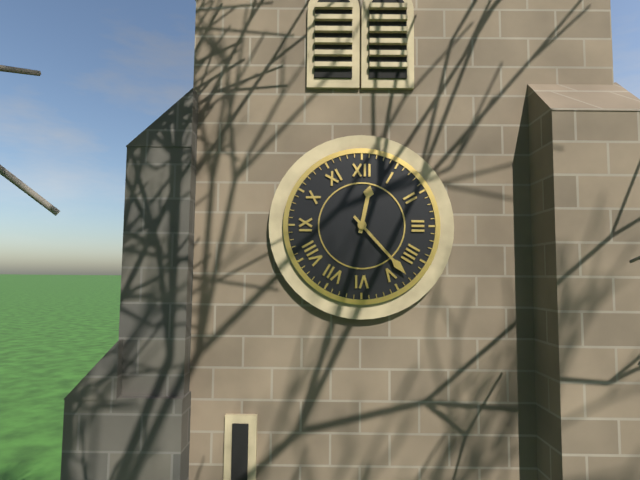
12h23
